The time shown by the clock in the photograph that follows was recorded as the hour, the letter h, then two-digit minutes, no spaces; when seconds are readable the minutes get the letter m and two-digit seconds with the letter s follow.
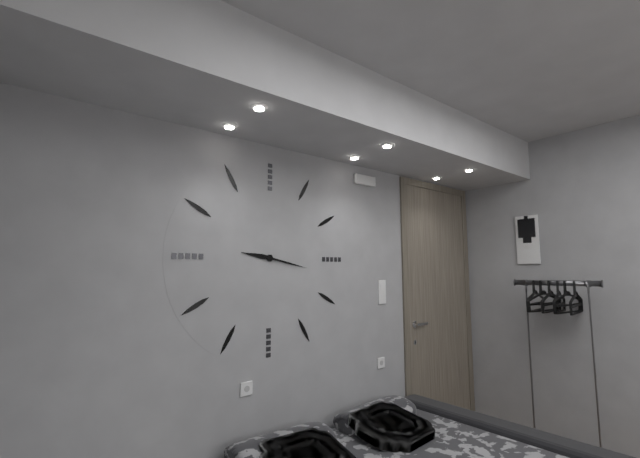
9h17
